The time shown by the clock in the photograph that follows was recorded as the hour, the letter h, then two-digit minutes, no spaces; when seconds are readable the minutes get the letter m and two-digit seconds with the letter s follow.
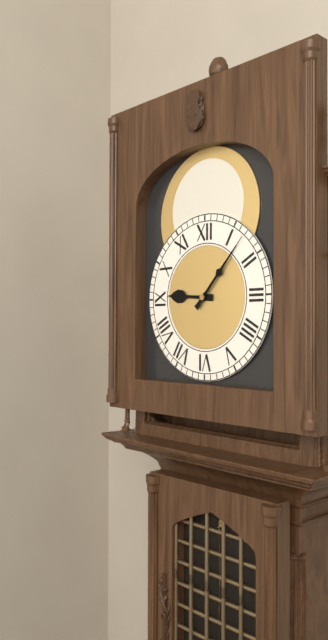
9h07
